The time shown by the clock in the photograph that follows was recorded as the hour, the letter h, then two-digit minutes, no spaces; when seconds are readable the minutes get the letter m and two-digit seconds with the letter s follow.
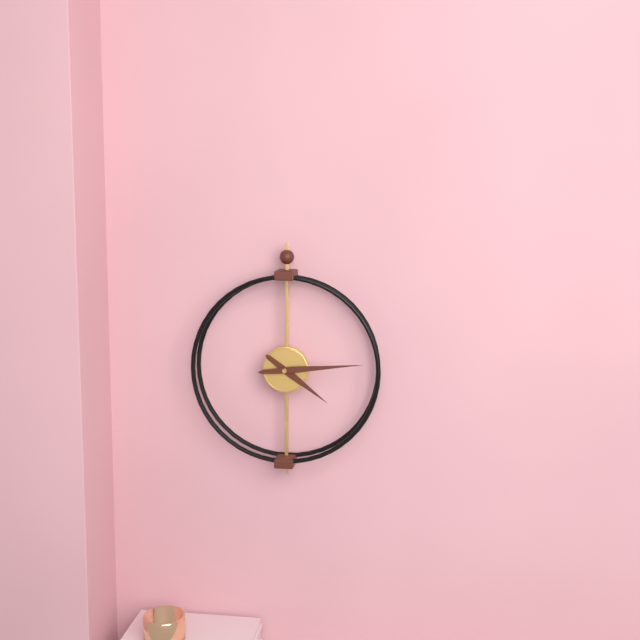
4h14
